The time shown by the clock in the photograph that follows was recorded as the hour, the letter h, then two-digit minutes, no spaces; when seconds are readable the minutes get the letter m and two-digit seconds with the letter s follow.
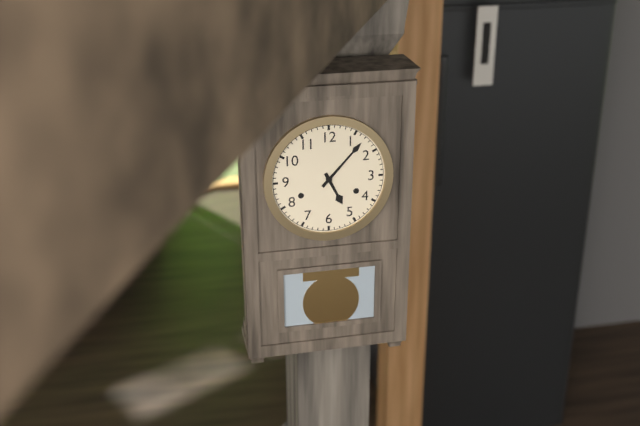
5h07
